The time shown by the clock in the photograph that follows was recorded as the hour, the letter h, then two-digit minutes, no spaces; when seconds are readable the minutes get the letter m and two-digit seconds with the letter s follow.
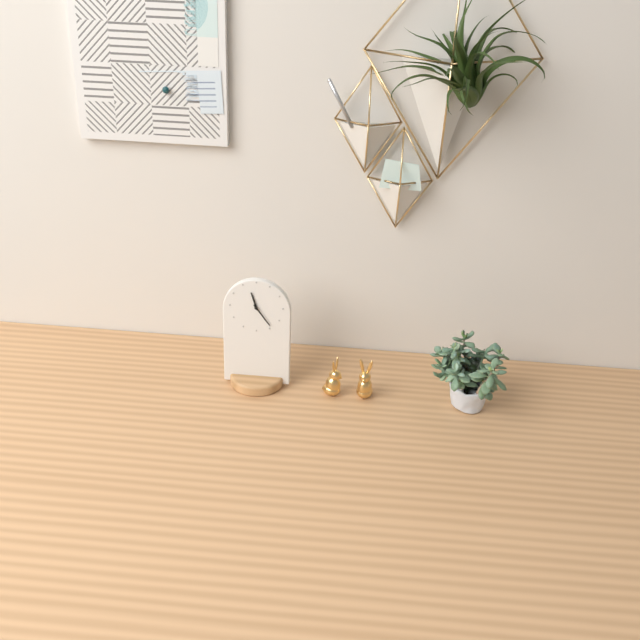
11h24
